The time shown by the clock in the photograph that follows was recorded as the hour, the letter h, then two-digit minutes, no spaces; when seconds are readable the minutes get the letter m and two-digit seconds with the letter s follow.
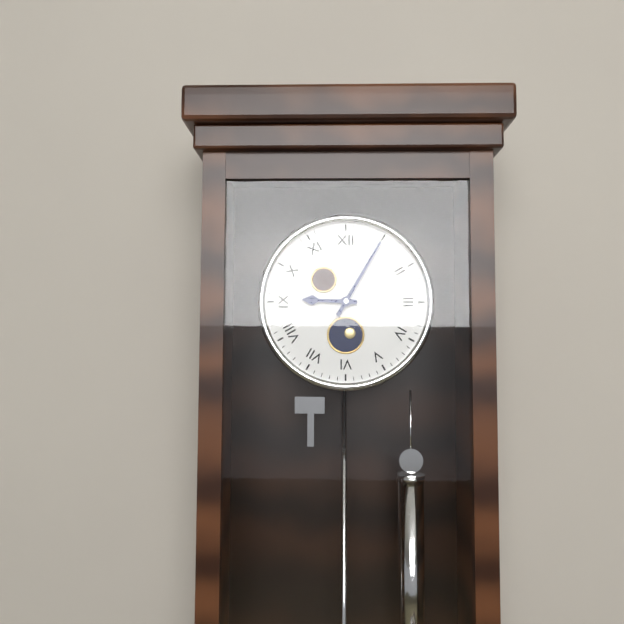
9h05
